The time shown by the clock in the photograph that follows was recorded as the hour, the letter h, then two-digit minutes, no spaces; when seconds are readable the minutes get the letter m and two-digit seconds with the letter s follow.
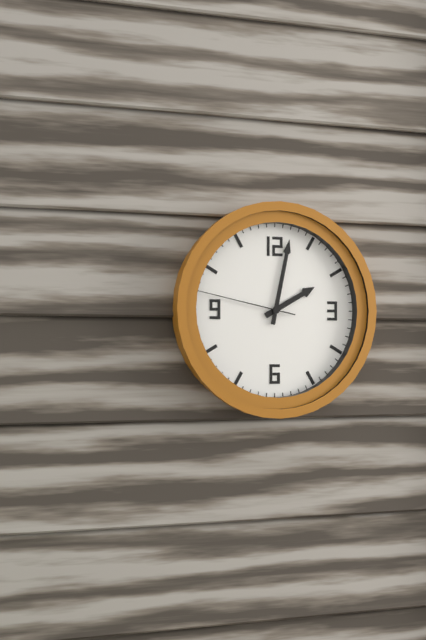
2h02m47s
